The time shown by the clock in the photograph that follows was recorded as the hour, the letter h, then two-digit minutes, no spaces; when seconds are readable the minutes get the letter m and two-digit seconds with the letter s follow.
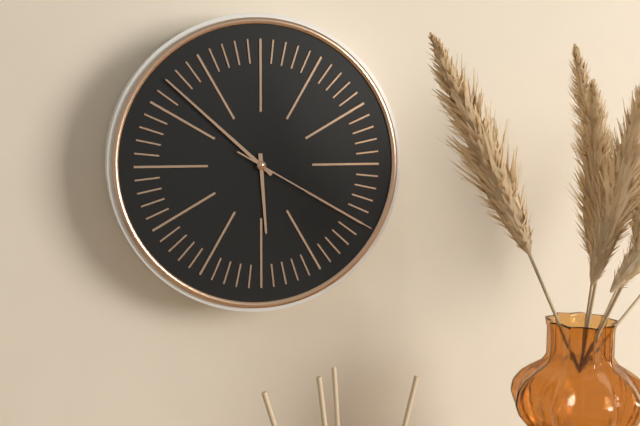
5h52m20s
